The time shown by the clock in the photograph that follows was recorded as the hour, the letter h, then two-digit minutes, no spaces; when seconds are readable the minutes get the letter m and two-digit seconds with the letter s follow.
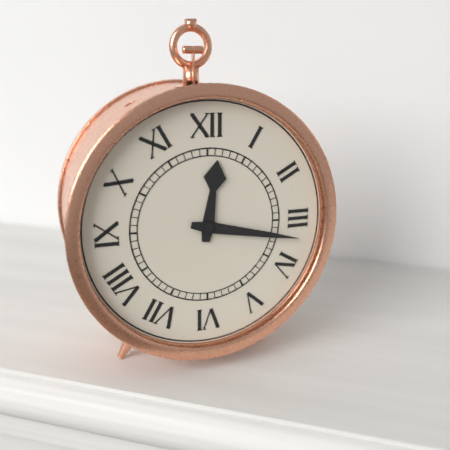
12h17
